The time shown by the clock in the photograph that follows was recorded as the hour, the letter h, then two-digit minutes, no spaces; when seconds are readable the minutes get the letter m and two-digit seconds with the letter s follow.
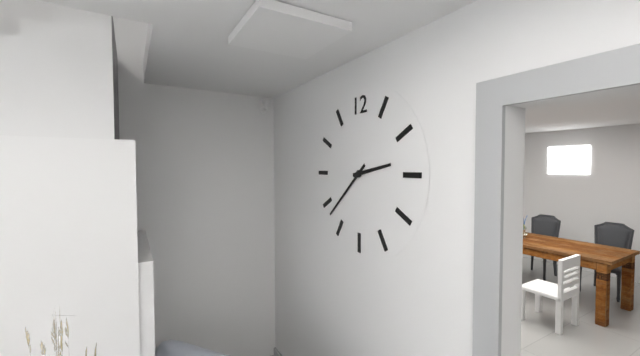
2h38
